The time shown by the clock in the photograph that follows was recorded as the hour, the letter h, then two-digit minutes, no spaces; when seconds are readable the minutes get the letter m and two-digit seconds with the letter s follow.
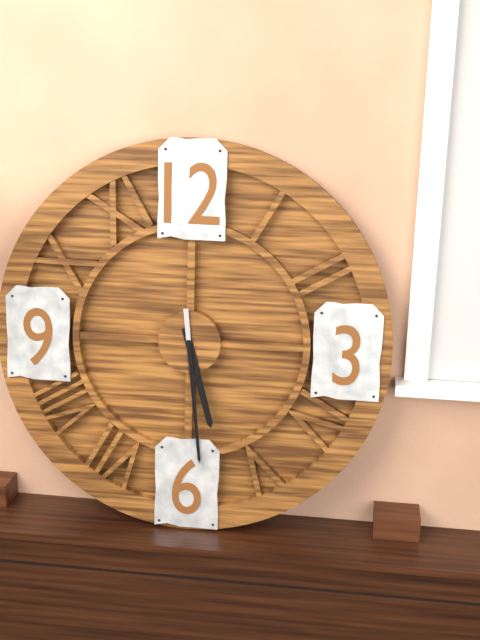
5h29
